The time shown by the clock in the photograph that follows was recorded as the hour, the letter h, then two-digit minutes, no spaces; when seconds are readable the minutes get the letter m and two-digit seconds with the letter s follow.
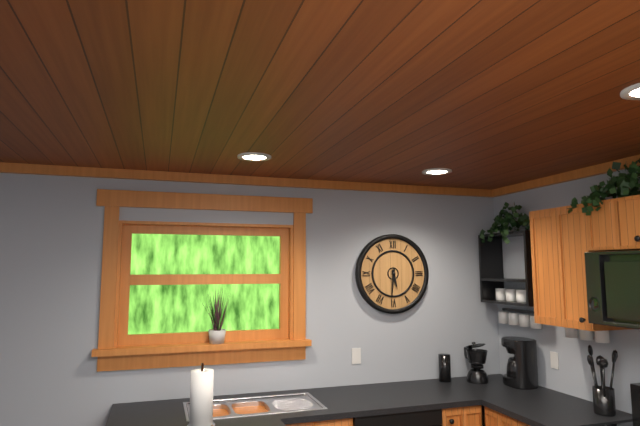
5h31
